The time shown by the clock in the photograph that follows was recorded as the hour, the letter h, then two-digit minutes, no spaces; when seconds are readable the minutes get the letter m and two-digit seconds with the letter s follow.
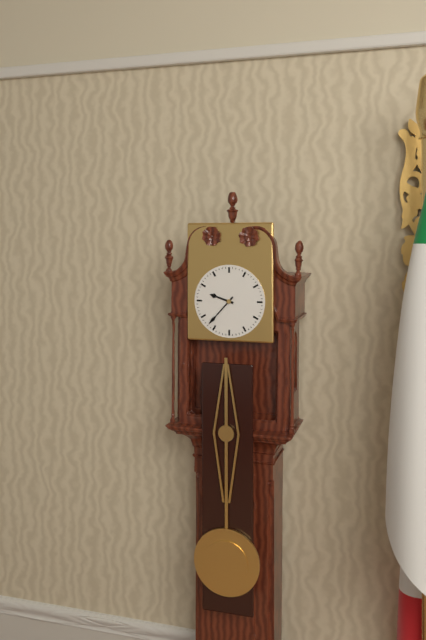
9h37
